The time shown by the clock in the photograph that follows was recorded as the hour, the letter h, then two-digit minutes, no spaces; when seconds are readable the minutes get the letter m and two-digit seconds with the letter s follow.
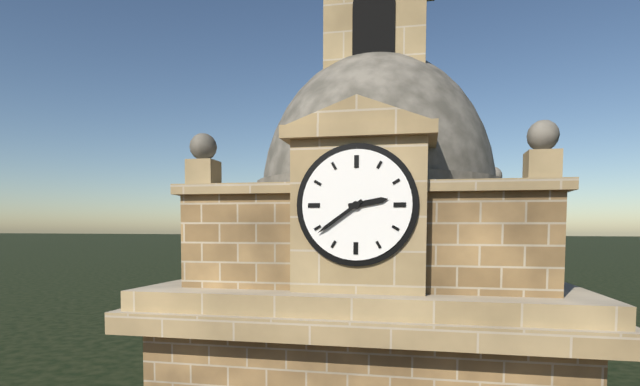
2h39
